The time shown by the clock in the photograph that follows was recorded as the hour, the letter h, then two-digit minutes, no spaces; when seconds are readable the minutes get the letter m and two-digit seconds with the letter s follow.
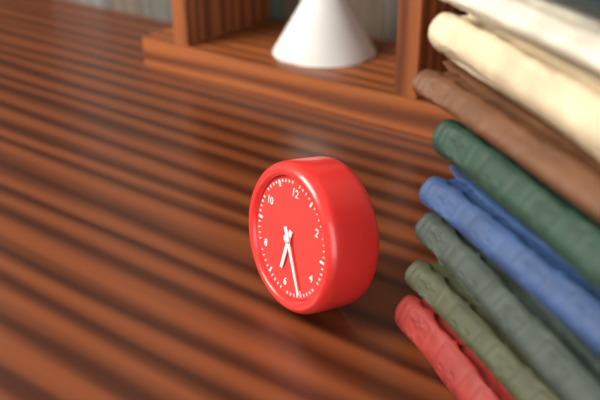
6h25
